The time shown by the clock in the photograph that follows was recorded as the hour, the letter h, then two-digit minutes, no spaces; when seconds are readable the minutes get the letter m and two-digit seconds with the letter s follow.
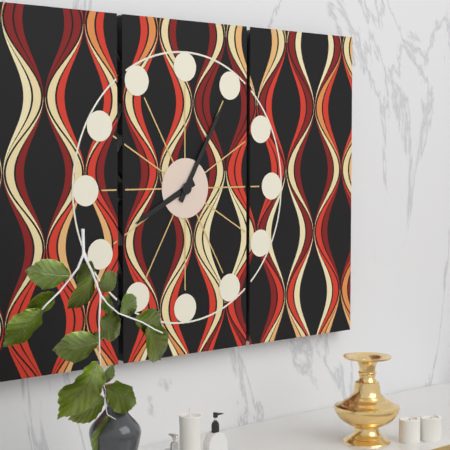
8h05
